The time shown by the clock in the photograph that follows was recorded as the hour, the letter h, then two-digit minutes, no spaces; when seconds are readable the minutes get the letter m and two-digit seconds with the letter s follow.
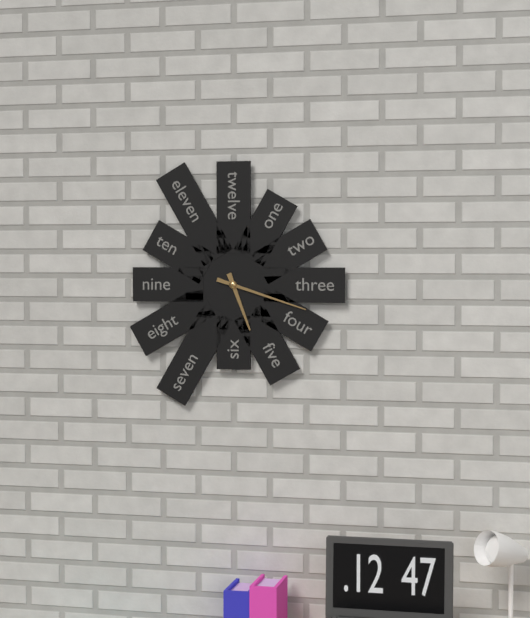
5h18
